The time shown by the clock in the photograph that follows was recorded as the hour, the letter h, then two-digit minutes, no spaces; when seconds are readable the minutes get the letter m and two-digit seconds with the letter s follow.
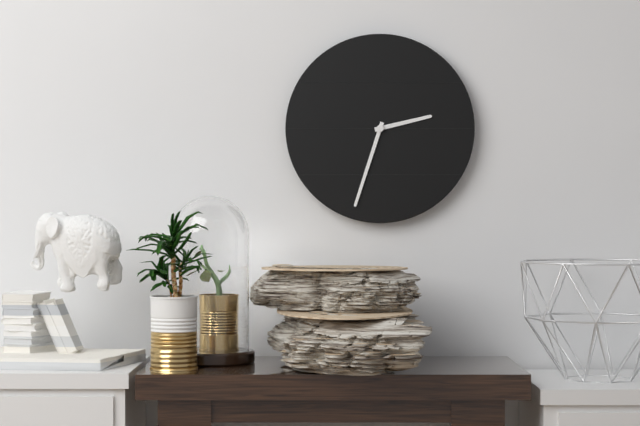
2h33
